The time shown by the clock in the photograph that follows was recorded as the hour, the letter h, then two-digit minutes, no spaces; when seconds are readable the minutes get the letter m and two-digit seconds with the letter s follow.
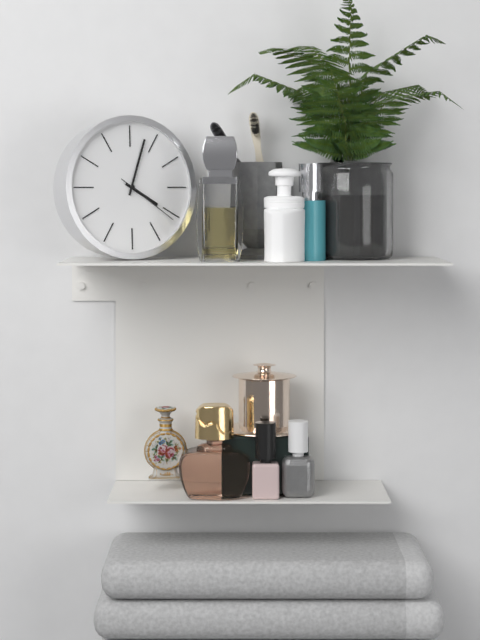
4h03m21s
